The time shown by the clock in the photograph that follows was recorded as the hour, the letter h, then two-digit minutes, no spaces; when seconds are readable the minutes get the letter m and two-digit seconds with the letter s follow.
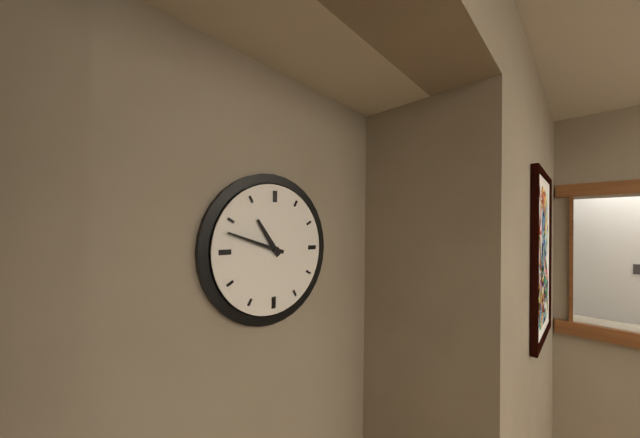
10h48
